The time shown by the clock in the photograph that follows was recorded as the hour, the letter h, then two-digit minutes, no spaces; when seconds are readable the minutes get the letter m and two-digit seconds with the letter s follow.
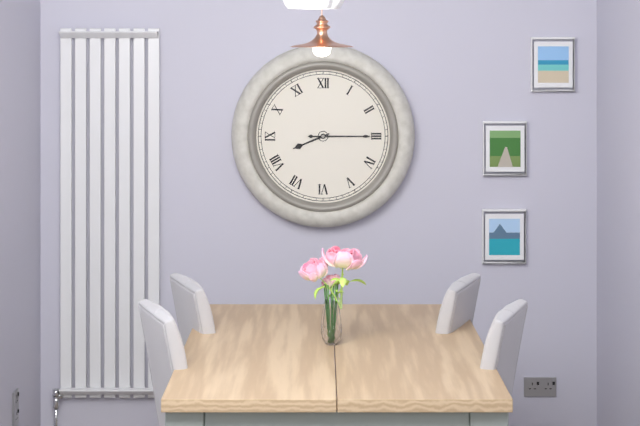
8h15
